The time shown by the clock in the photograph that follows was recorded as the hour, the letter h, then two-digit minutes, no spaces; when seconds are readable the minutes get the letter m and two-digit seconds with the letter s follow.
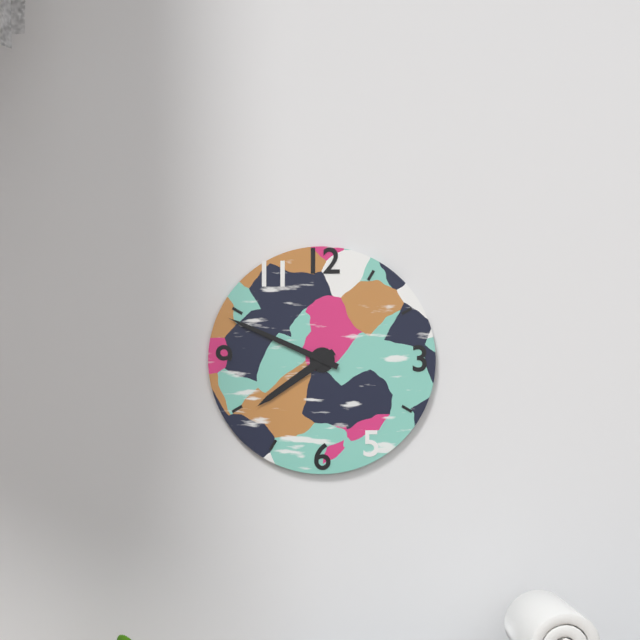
7h49
